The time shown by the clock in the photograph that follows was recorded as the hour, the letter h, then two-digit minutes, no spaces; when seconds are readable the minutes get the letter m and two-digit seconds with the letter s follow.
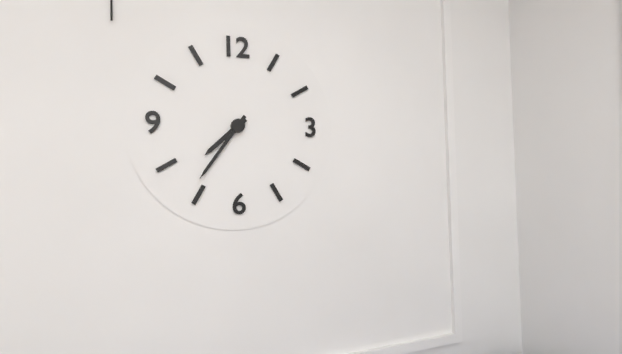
7h36
